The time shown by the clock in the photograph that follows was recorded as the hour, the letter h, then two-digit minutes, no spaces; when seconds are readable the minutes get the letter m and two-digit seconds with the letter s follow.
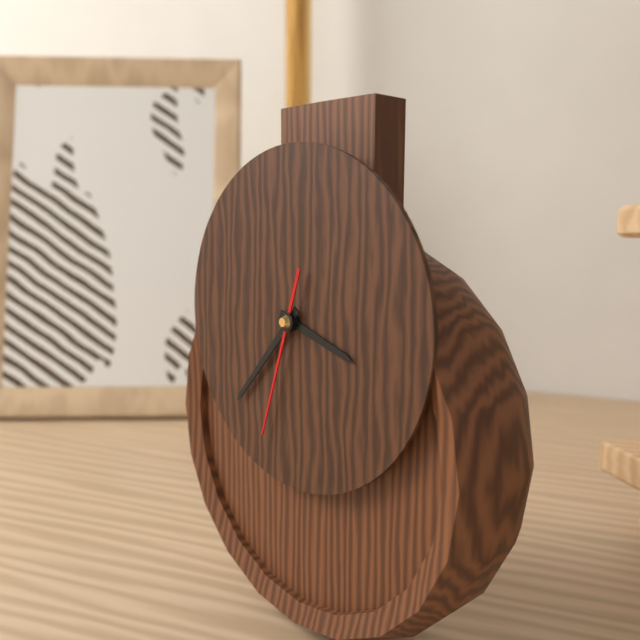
3h37m33s
